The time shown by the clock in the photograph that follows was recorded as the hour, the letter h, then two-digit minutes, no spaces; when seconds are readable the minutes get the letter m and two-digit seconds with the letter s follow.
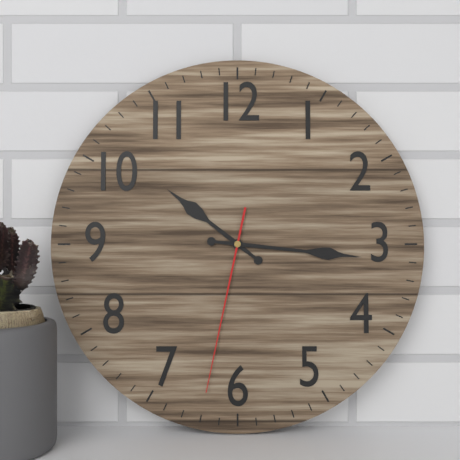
10h16m32s
